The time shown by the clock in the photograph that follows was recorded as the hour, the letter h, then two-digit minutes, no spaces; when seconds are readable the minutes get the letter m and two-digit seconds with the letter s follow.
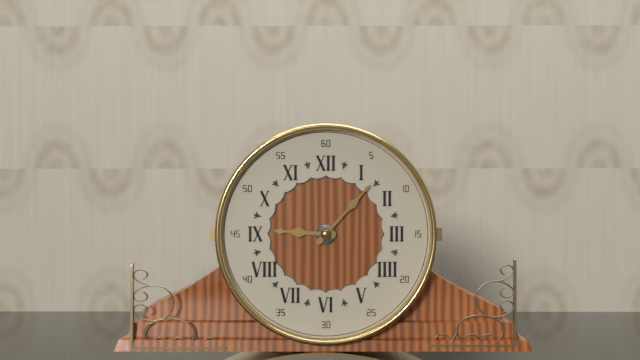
9h07
